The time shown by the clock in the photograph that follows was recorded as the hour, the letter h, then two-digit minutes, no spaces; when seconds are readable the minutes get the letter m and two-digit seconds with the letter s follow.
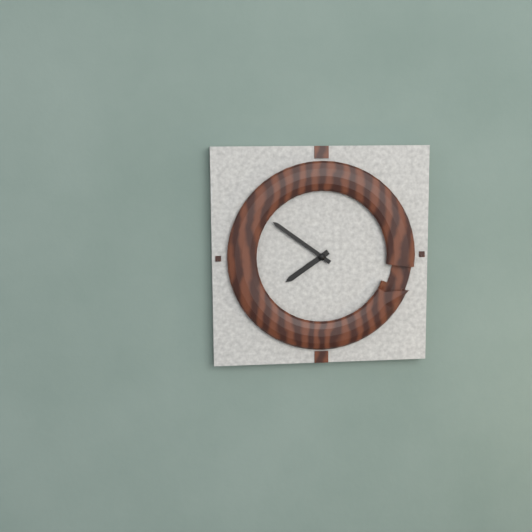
7h51
